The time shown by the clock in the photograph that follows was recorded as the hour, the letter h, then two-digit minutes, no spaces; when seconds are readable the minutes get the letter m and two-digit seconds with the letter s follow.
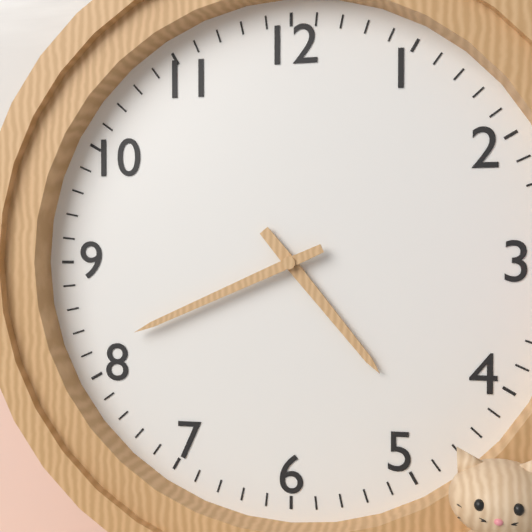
4h41
